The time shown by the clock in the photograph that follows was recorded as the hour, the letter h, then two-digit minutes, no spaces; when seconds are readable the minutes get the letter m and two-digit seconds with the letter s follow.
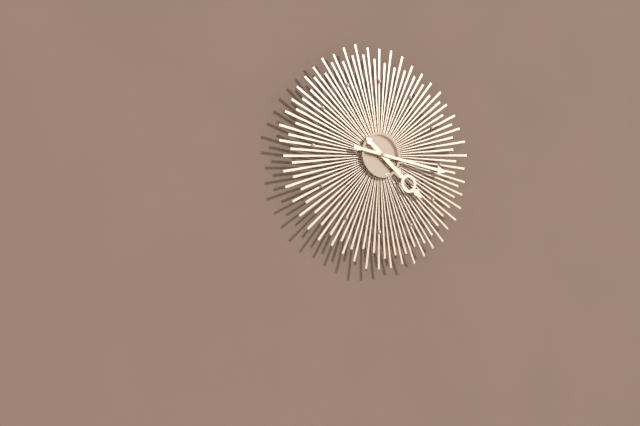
4h16
